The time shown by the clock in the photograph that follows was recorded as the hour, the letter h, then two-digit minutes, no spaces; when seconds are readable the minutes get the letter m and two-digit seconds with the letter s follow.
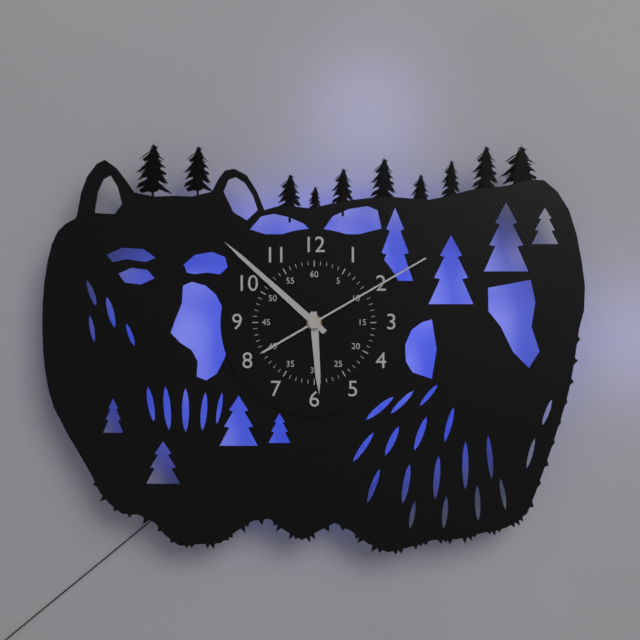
5h52m10s
